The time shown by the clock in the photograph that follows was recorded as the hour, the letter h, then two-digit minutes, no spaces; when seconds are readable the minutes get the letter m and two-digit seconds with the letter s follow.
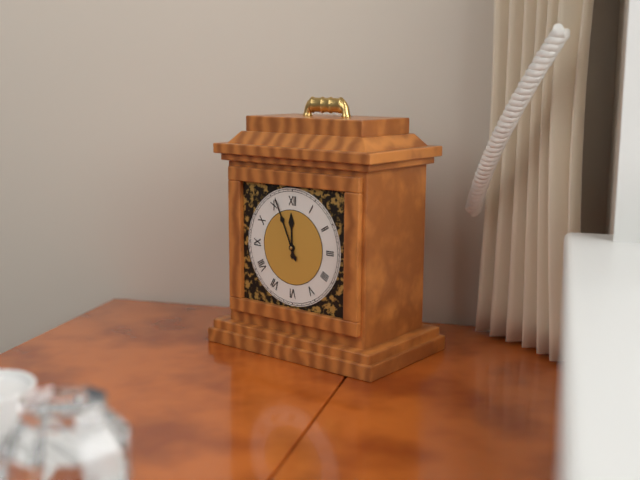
11h56
